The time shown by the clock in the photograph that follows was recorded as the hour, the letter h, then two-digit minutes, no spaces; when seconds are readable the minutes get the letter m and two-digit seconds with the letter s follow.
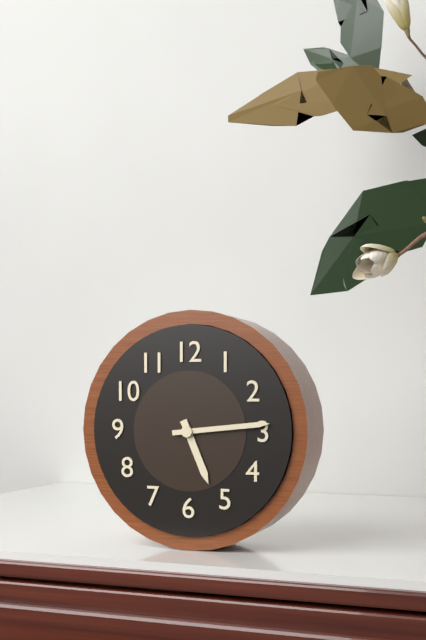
5h14
